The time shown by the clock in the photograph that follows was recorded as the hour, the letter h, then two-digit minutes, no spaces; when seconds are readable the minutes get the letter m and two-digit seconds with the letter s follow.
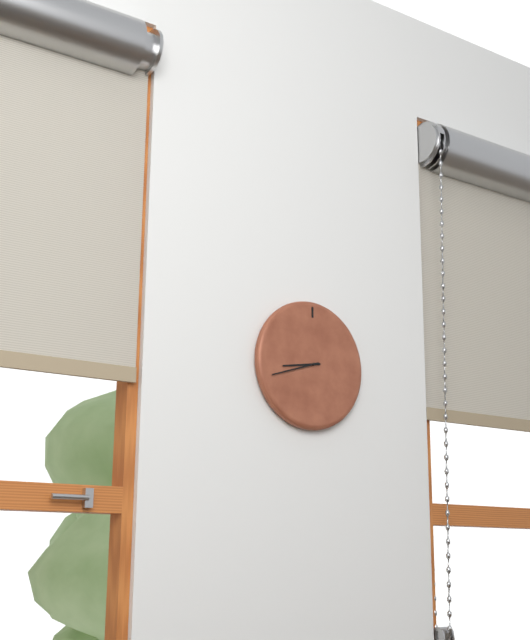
8h42
